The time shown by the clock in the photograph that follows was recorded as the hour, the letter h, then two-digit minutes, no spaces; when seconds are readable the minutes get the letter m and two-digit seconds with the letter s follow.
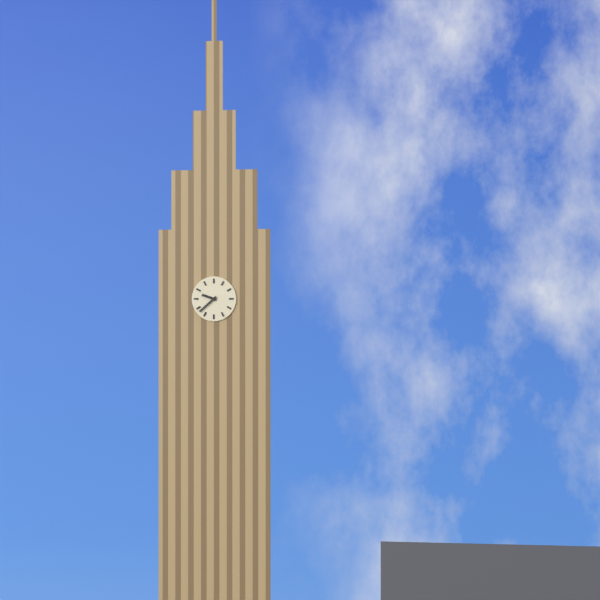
9h38
